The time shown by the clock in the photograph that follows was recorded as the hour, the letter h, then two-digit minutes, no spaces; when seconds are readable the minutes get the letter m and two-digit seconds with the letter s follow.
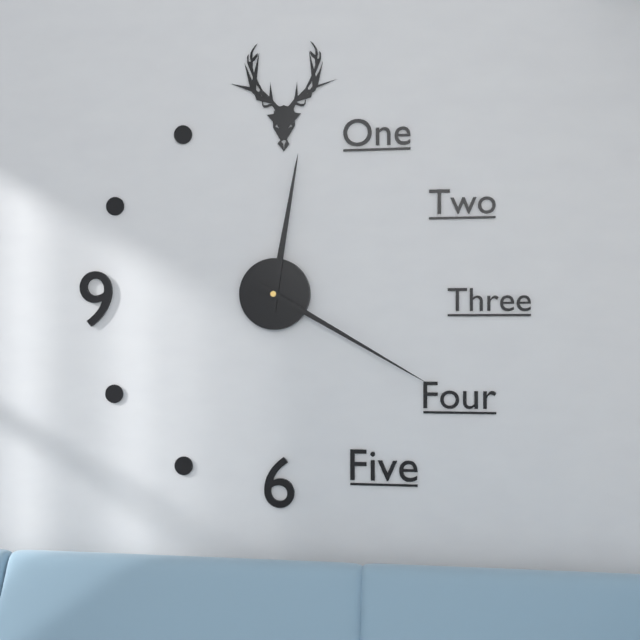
12h20
